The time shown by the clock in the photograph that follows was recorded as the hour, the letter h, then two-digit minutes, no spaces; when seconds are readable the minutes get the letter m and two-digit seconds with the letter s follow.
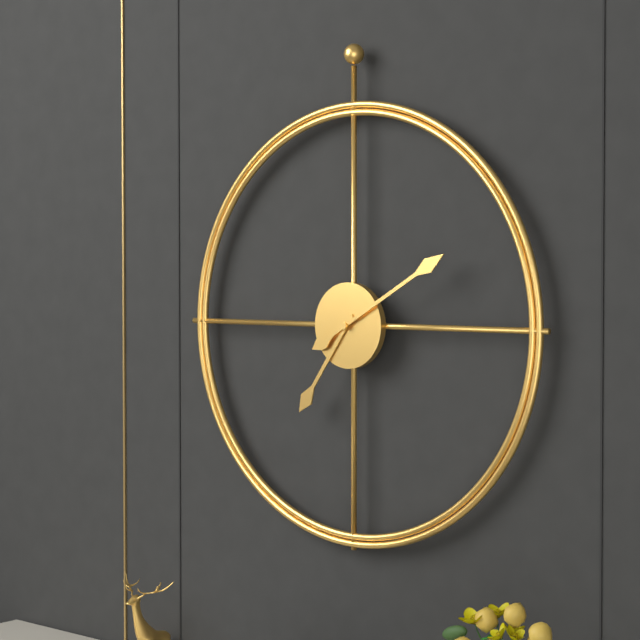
7h10
